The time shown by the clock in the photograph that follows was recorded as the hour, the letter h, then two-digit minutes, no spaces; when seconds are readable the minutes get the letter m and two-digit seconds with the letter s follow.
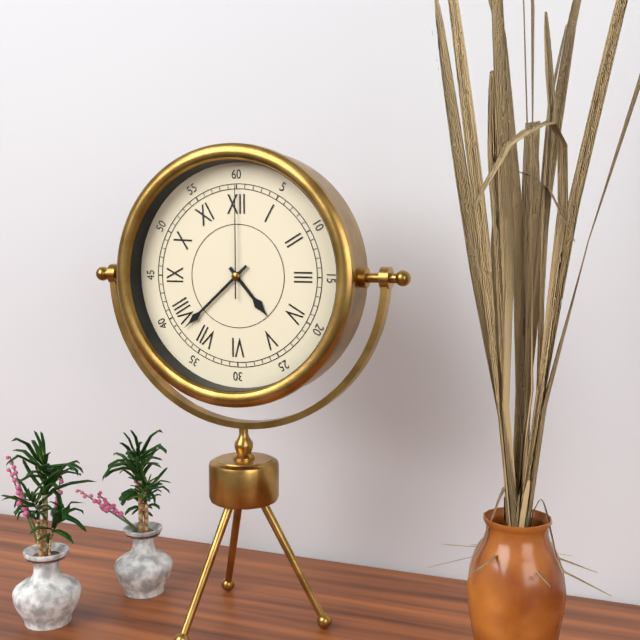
4h38m00s
